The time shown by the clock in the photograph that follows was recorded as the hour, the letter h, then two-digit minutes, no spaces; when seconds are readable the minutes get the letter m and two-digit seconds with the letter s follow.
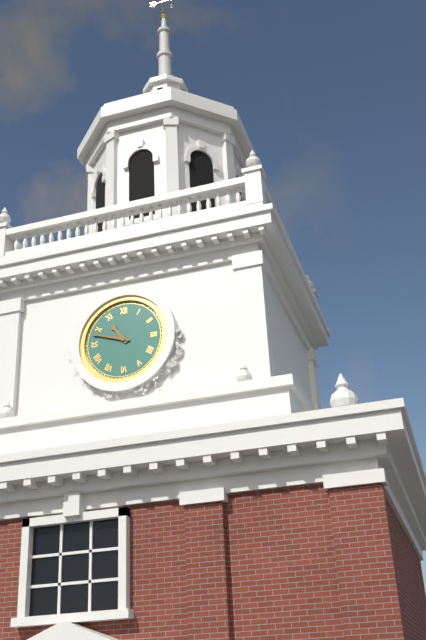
10h48
